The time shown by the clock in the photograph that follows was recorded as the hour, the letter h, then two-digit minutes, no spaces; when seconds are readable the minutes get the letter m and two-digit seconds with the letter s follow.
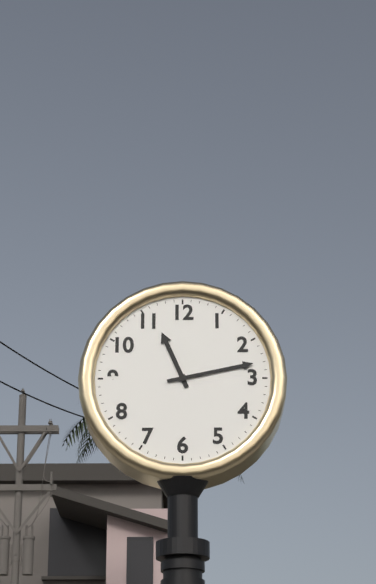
11h13
